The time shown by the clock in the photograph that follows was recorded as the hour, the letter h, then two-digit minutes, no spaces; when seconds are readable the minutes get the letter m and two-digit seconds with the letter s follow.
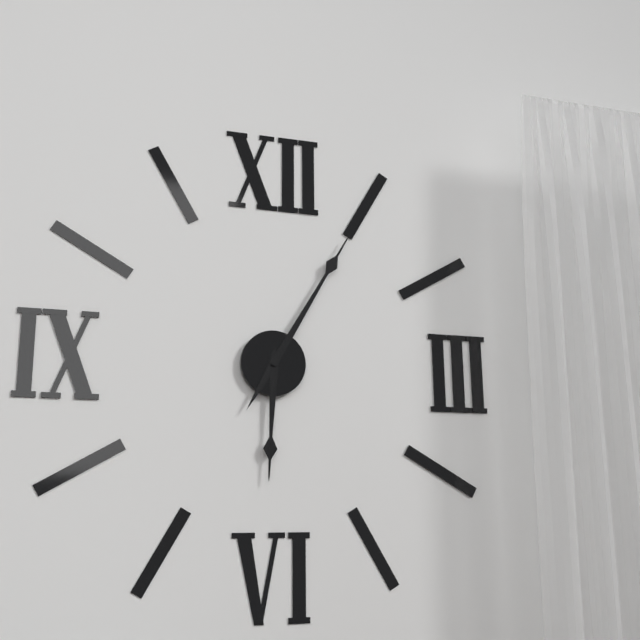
6h05
